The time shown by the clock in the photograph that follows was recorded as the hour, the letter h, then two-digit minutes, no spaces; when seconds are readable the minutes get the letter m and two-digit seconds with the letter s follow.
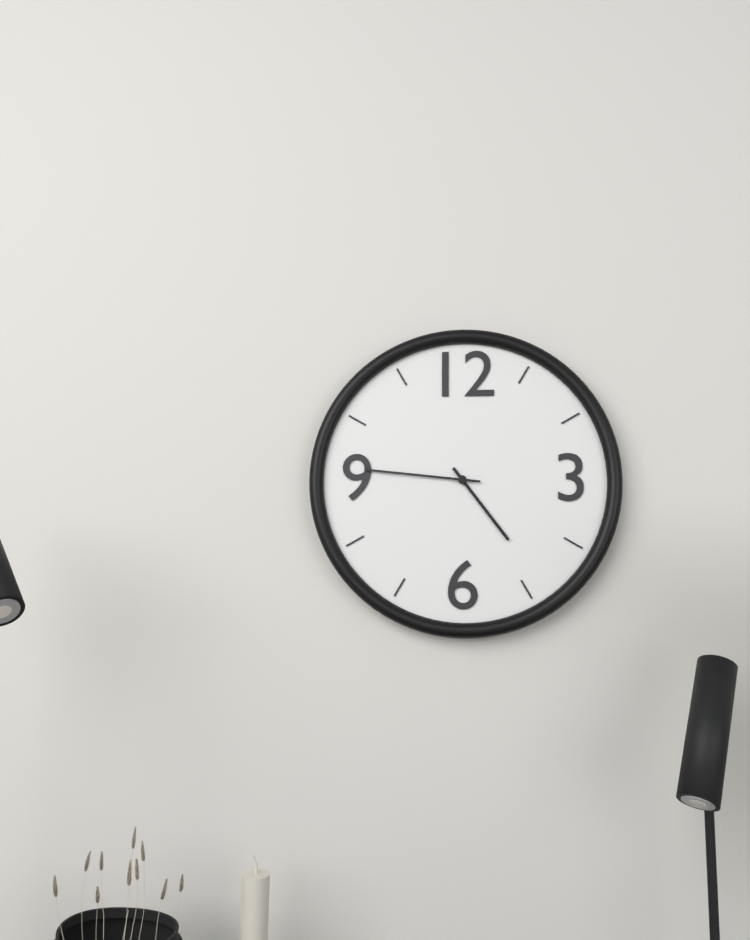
4h46
